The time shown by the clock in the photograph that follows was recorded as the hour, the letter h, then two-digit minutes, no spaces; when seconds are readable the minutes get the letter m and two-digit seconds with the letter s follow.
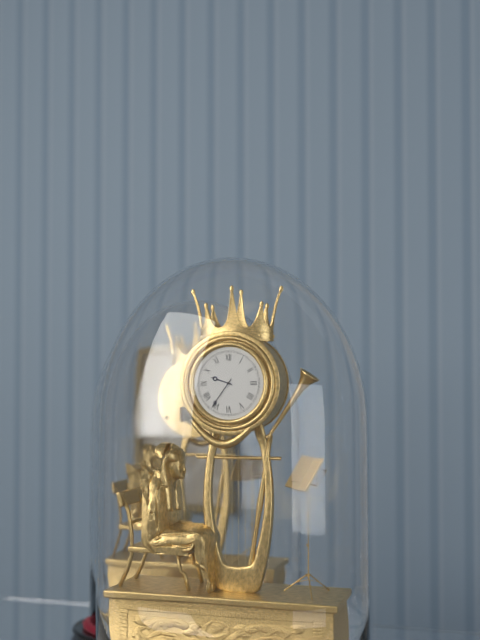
9h36
